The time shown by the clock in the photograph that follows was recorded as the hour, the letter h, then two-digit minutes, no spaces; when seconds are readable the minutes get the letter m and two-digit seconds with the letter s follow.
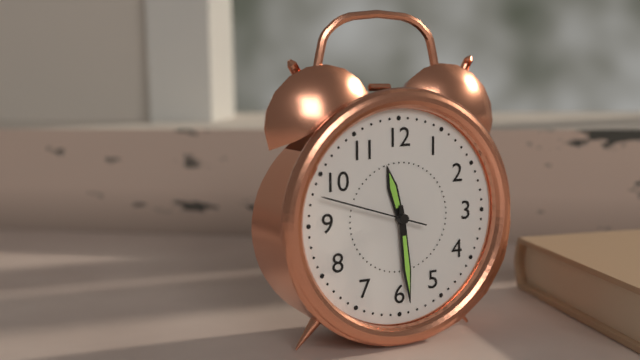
11h29m48s
